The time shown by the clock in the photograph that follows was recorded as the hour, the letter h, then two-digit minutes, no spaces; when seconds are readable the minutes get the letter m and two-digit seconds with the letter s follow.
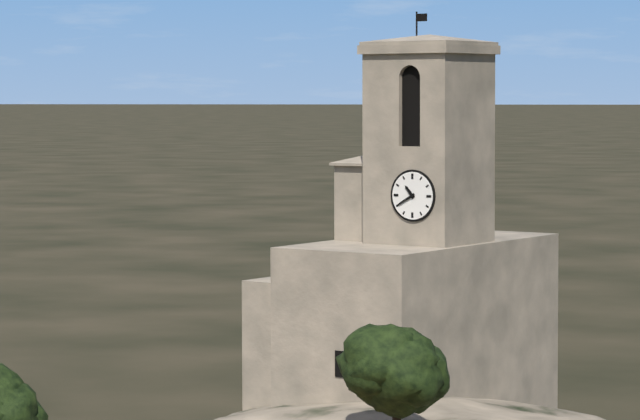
10h40
